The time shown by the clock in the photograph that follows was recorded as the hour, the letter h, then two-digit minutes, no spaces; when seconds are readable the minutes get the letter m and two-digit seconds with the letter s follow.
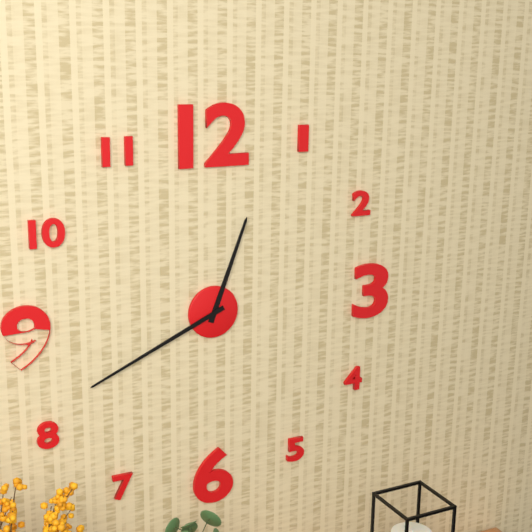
12h41
